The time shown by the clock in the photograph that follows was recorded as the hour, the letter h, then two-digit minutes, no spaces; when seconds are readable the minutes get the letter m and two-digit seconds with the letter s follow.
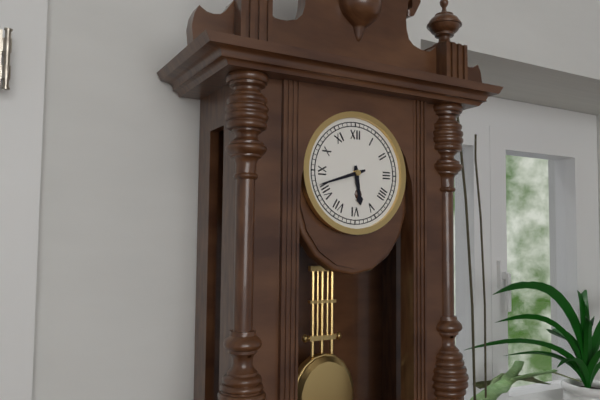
5h42
